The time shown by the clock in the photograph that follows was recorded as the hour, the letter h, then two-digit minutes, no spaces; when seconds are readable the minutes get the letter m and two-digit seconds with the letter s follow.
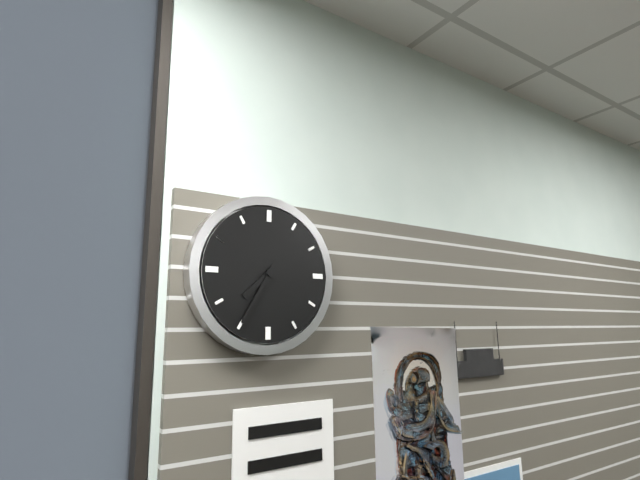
7h35
